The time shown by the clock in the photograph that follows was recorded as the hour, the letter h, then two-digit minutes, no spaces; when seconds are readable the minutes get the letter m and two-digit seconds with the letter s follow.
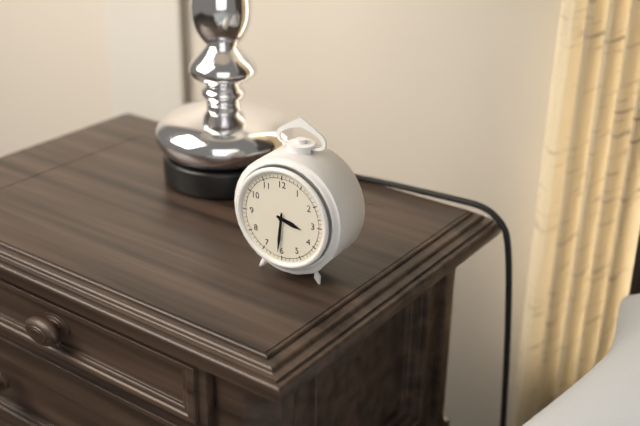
3h31
